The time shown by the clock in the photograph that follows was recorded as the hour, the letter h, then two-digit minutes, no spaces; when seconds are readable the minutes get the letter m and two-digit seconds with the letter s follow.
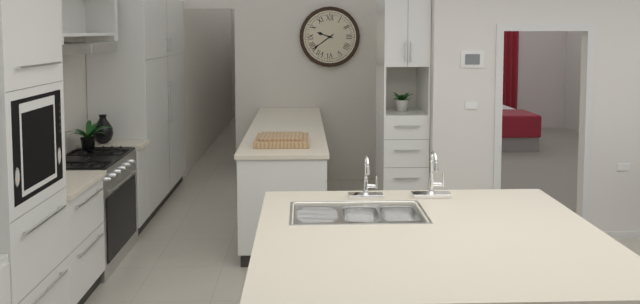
9h39
